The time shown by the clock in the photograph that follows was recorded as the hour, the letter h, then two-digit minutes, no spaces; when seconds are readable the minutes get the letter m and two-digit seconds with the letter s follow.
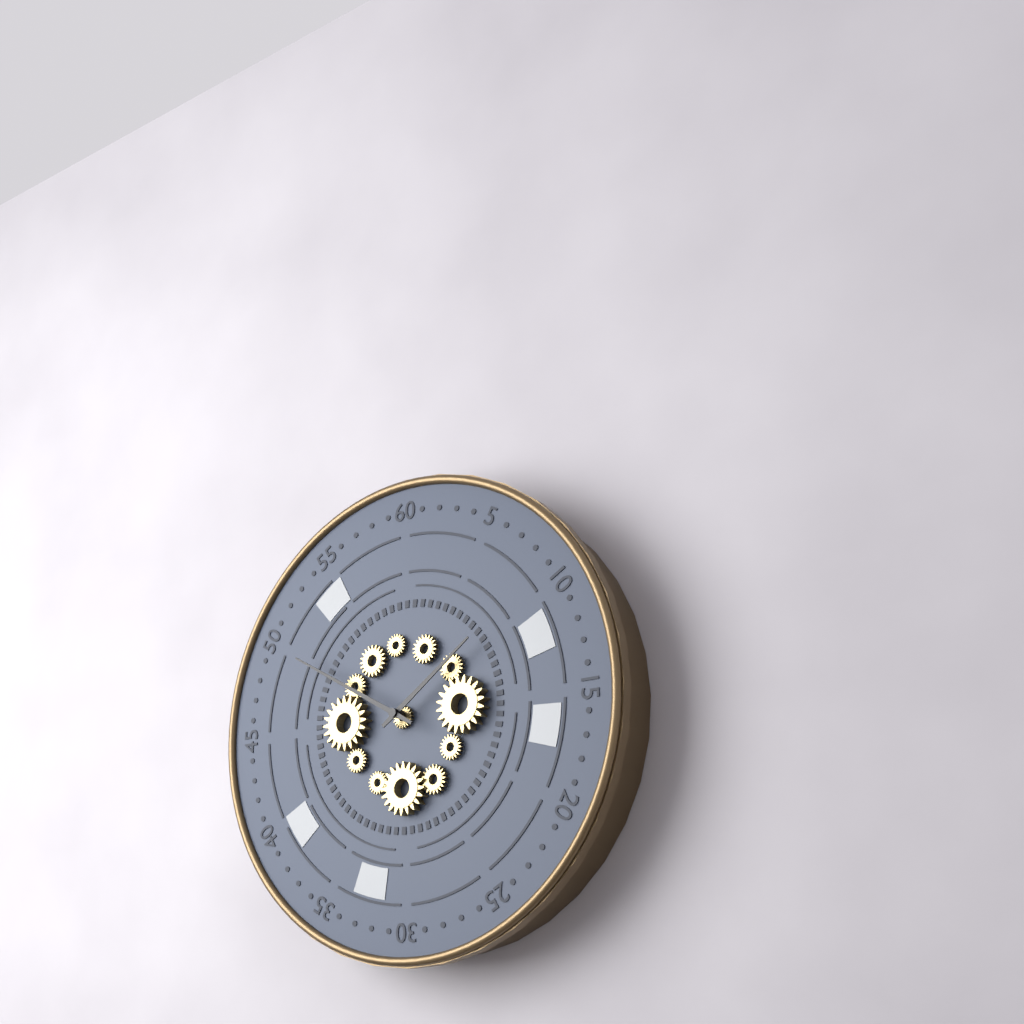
1h50
